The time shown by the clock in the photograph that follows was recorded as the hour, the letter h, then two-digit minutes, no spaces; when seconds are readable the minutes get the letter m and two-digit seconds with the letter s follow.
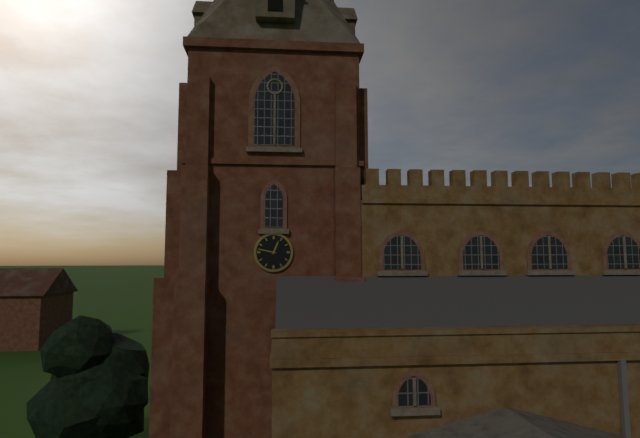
12h47
